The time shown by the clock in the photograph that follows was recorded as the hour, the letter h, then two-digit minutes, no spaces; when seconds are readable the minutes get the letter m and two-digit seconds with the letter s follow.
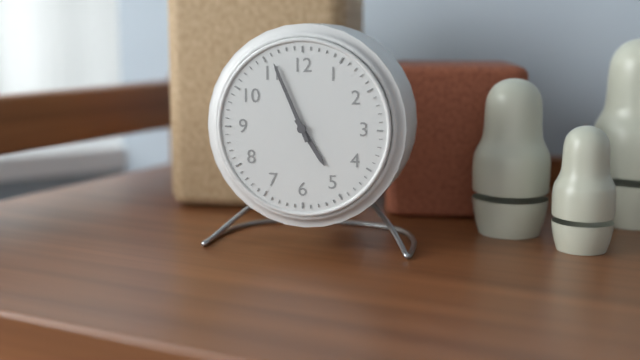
4h56
